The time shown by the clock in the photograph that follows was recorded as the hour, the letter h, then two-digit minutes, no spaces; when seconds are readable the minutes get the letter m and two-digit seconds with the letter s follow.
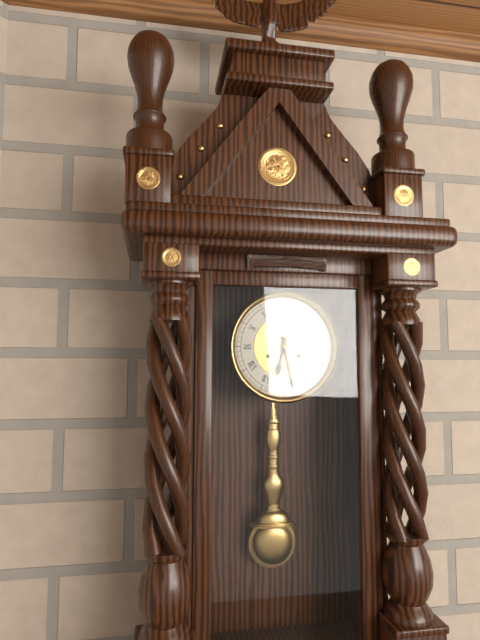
6h28
